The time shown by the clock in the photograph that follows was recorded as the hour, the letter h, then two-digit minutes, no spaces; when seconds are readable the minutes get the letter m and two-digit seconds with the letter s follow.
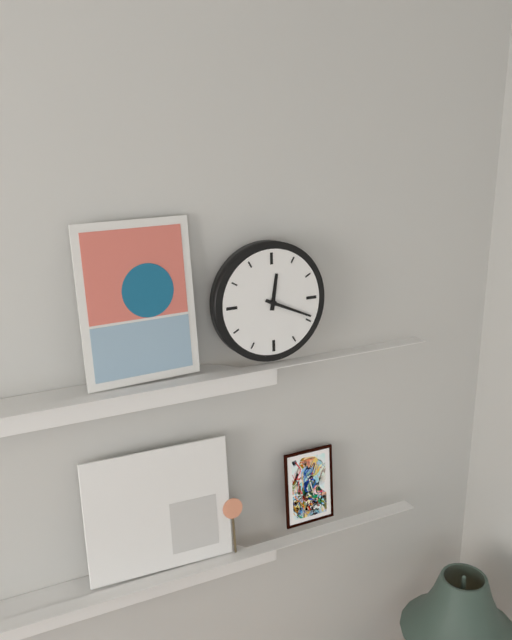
12h19
